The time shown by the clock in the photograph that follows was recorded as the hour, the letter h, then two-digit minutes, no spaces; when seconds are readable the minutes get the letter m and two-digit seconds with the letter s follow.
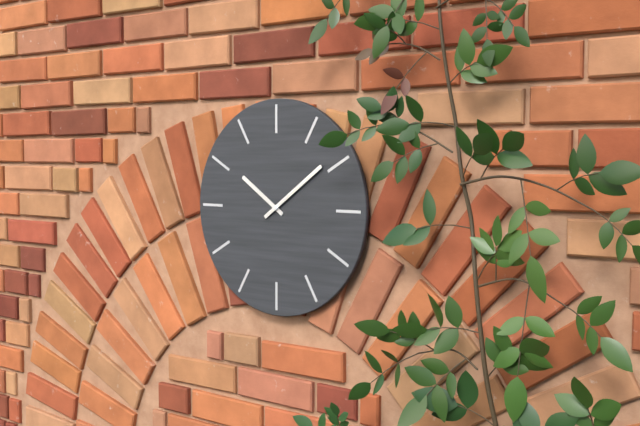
10h09
